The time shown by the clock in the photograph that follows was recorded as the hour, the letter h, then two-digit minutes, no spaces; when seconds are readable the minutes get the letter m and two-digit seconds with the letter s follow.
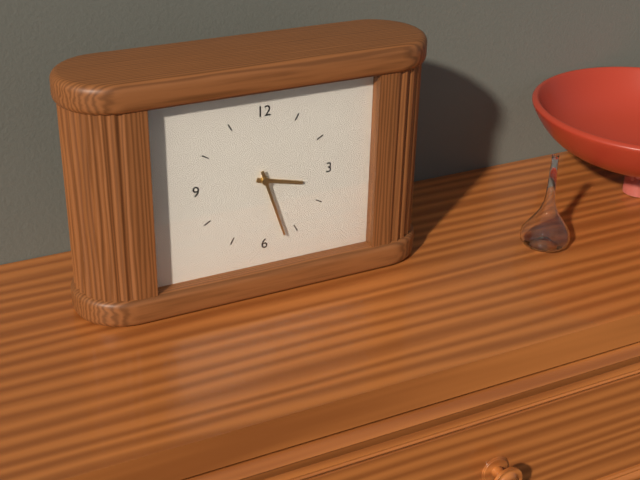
3h27
